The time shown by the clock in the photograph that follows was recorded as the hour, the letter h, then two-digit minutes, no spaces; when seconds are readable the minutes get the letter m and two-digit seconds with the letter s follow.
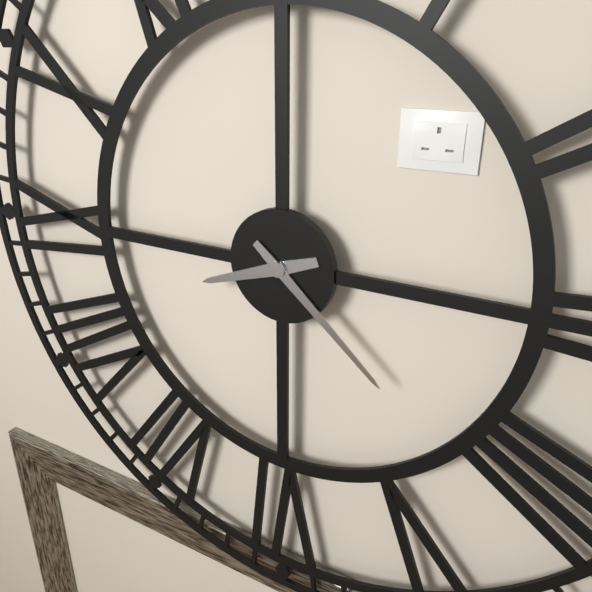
8h22
